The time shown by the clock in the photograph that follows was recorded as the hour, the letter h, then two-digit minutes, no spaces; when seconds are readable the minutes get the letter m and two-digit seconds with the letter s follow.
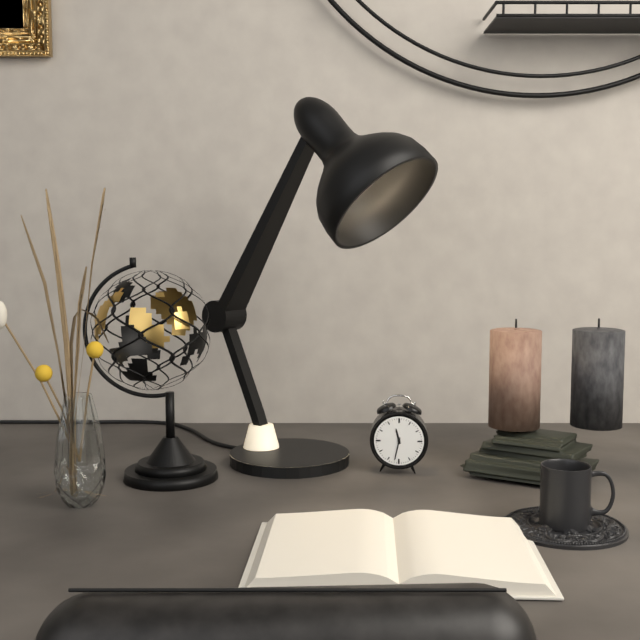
11h32
